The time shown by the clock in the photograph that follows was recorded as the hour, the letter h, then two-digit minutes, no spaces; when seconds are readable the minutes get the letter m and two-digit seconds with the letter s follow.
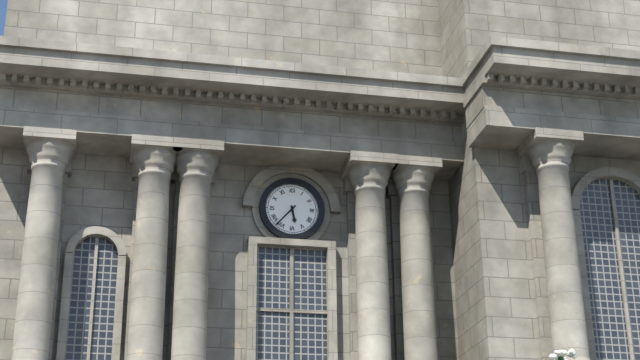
5h37
